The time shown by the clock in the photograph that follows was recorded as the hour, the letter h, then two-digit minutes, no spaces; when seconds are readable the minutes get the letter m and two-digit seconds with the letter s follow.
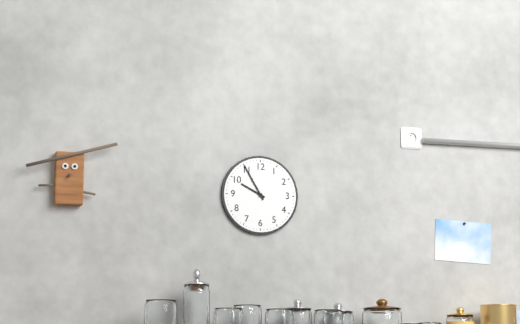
9h55
